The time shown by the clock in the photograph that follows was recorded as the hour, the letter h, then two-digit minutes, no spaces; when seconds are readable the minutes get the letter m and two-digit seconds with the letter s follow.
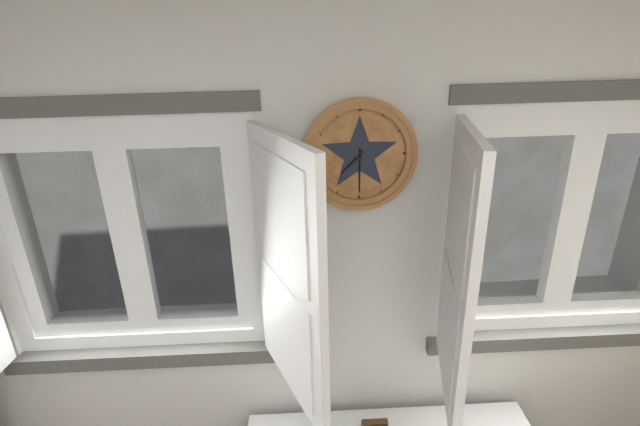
7h30
